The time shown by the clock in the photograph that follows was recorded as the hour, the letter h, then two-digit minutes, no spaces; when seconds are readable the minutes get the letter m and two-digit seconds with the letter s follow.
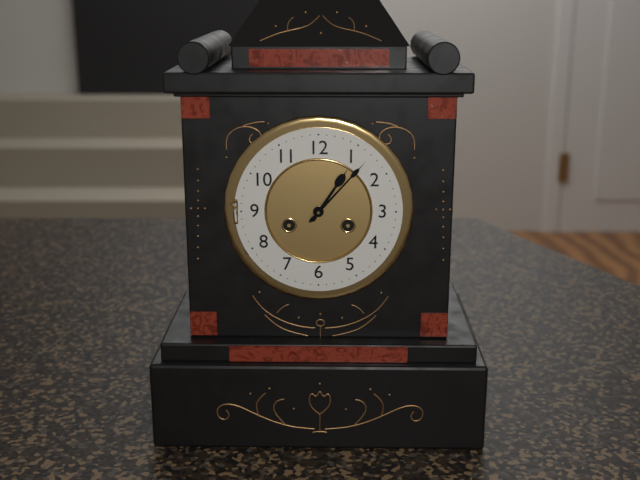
1h07
